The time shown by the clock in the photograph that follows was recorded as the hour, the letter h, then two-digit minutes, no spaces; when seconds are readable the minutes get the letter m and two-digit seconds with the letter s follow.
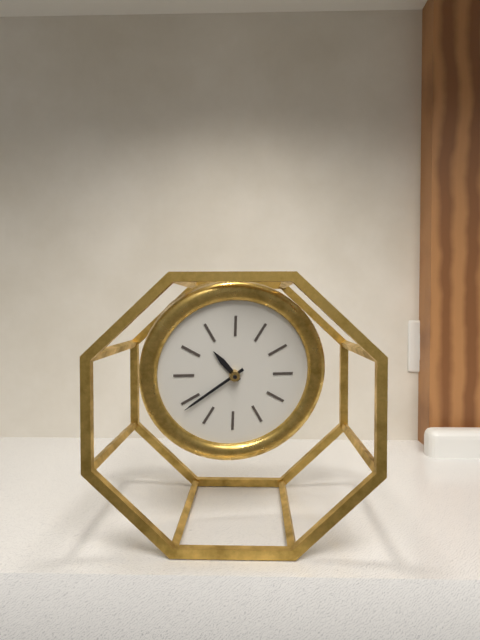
10h39
